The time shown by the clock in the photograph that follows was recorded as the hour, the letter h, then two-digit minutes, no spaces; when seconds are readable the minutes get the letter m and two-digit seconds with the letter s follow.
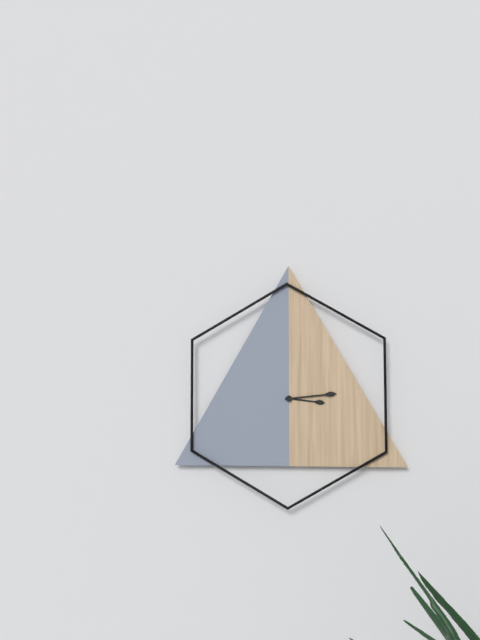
3h14
